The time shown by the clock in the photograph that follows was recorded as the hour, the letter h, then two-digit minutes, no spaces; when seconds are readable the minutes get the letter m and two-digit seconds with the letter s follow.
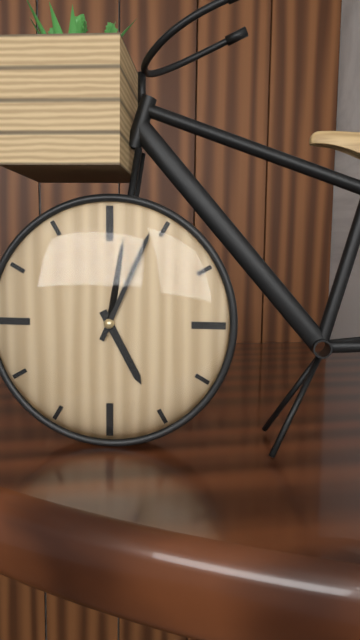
5h04
